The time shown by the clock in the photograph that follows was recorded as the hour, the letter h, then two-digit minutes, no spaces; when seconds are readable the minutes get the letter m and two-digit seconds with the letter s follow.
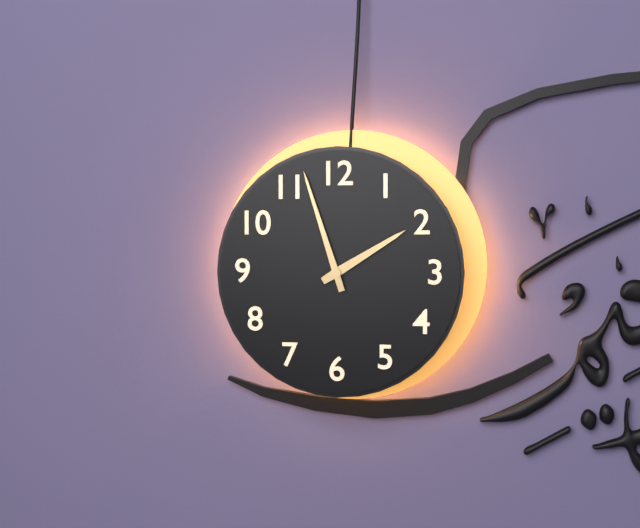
1h57
